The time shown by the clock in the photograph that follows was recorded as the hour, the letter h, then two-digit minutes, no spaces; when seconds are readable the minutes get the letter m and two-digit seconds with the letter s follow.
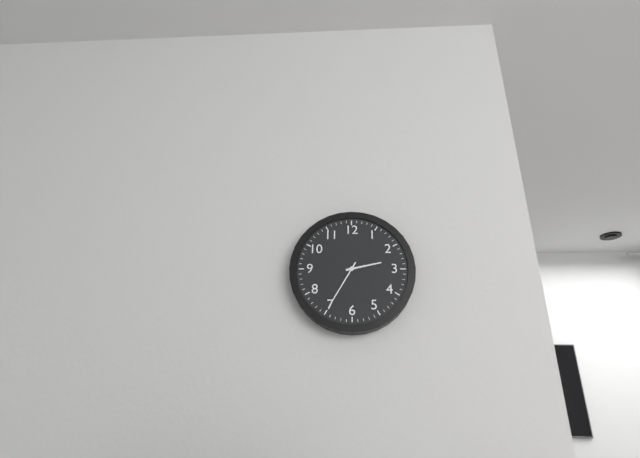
2h35
